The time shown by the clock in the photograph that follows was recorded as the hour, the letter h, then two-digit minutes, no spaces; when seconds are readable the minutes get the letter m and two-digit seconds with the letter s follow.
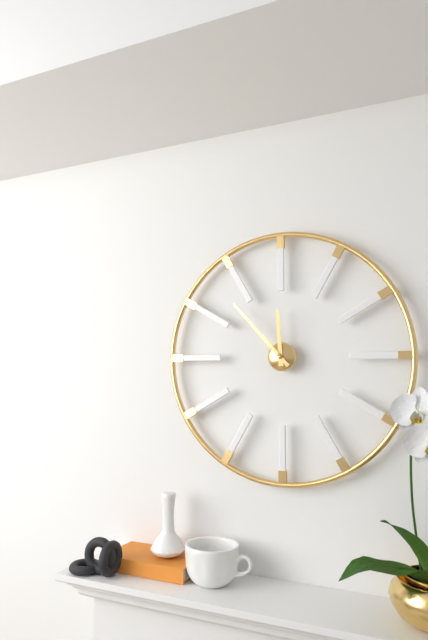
11h53
